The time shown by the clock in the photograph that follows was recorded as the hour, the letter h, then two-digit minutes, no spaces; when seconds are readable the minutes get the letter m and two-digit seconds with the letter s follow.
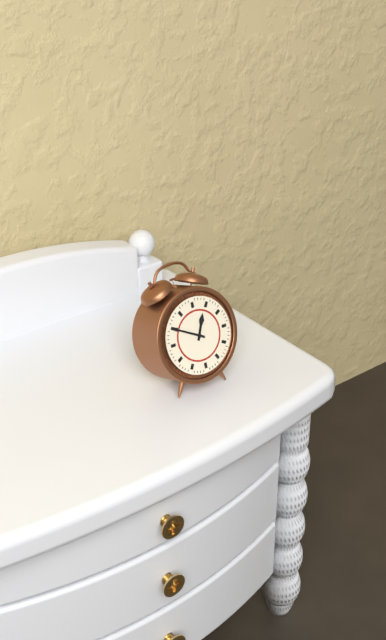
12h50
